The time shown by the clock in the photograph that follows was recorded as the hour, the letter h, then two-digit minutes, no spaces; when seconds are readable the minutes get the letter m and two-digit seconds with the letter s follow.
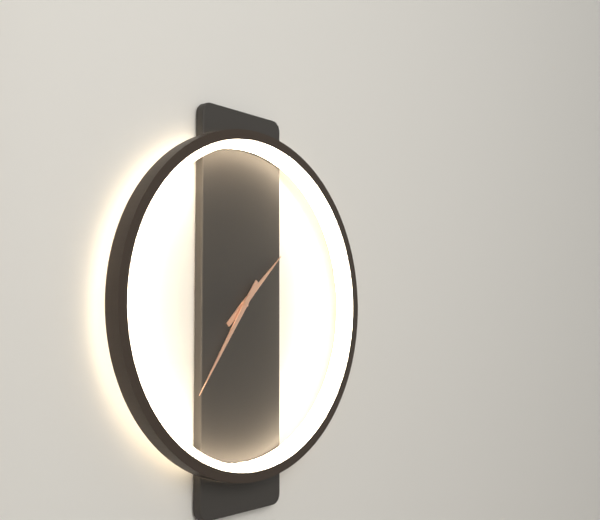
1h36
